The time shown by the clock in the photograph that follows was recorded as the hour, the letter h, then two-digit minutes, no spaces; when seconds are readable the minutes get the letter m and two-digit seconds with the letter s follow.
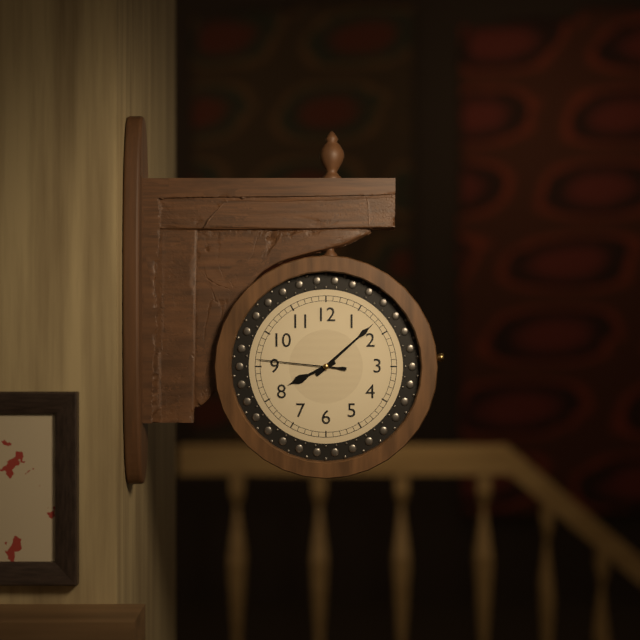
8h08m46s
